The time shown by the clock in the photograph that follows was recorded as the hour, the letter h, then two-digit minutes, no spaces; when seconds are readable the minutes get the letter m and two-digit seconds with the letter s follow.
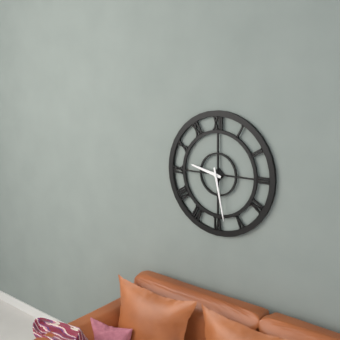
9h28
